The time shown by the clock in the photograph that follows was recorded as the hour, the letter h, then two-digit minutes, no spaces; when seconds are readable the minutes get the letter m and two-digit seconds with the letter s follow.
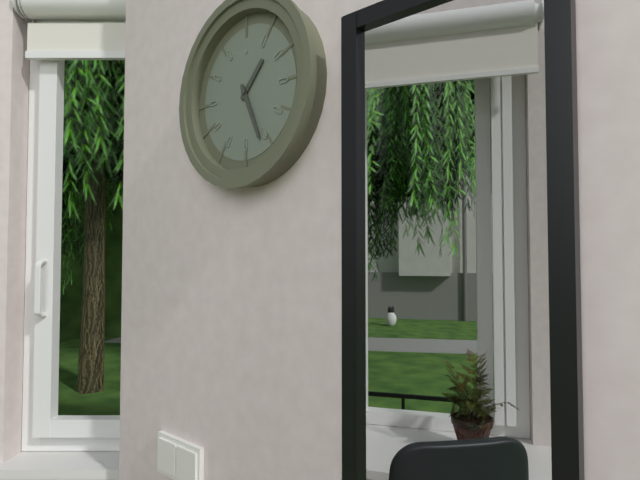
1h26
